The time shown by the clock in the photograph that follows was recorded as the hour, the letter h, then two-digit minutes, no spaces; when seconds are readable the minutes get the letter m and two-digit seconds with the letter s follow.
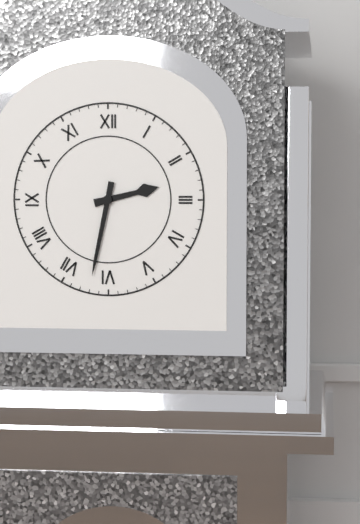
2h32
